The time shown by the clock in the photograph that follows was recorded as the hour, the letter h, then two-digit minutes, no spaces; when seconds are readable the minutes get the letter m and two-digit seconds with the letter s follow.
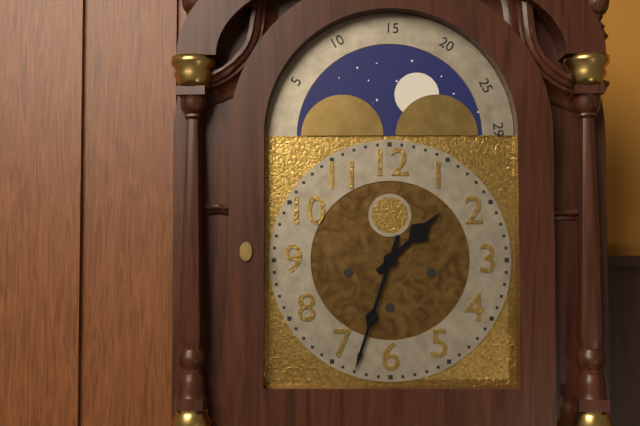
1h33
